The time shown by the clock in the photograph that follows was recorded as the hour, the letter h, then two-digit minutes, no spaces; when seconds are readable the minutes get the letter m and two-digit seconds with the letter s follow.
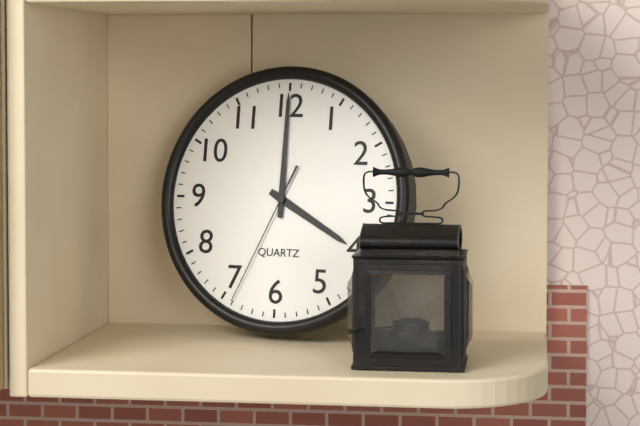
4h00m34s
